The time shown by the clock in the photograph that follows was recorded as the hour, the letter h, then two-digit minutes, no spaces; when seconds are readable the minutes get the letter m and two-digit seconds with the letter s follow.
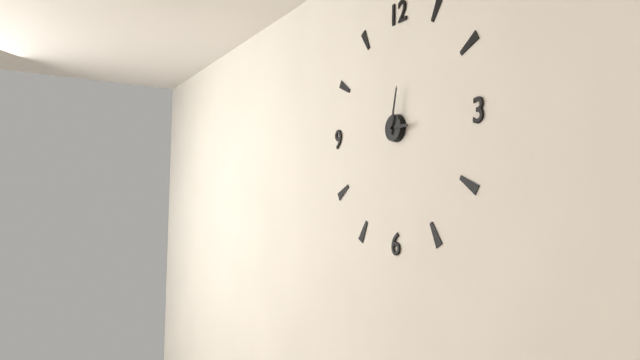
3h02
